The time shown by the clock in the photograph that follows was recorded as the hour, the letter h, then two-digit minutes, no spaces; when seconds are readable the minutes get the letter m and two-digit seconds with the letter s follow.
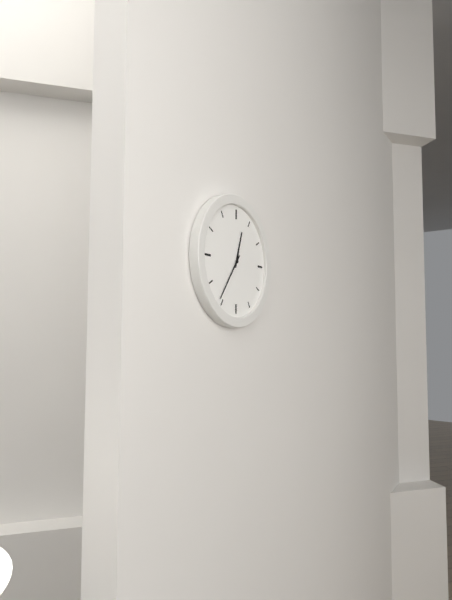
12h36
